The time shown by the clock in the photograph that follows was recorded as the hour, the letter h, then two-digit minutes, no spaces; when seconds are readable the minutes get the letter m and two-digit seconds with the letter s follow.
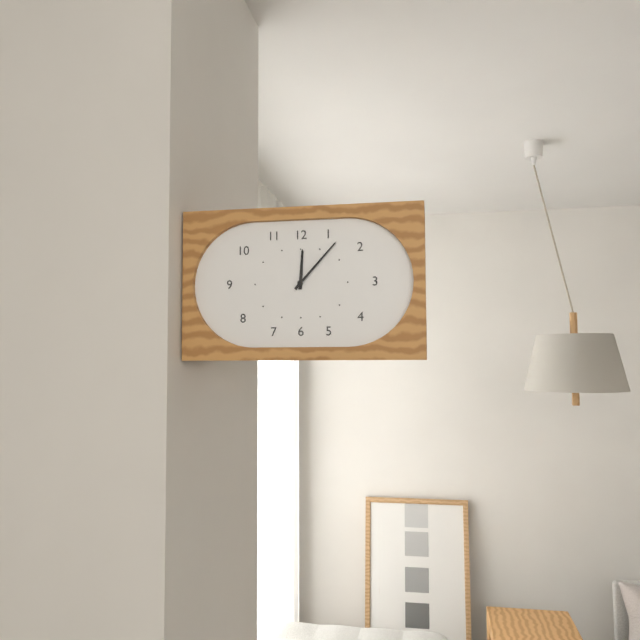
12h07
